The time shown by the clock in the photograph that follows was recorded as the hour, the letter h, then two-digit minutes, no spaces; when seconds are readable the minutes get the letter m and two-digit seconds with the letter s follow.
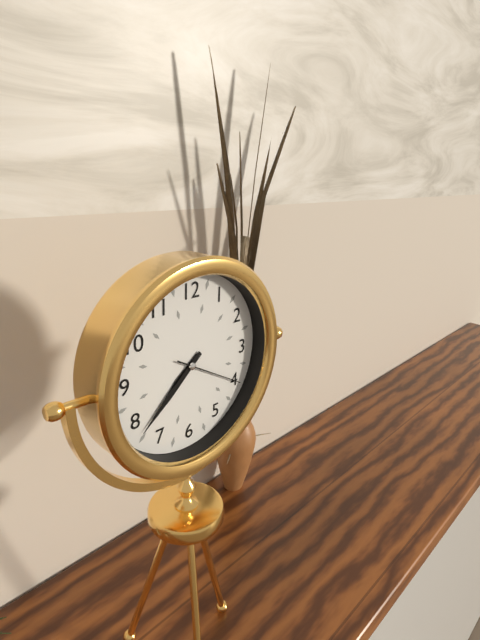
7h38m20s
